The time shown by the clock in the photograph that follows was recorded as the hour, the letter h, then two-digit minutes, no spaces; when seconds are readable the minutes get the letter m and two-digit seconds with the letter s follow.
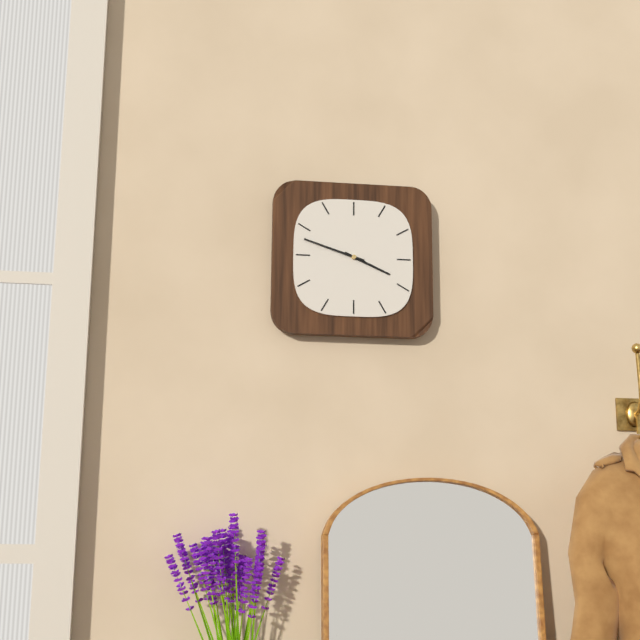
3h48
